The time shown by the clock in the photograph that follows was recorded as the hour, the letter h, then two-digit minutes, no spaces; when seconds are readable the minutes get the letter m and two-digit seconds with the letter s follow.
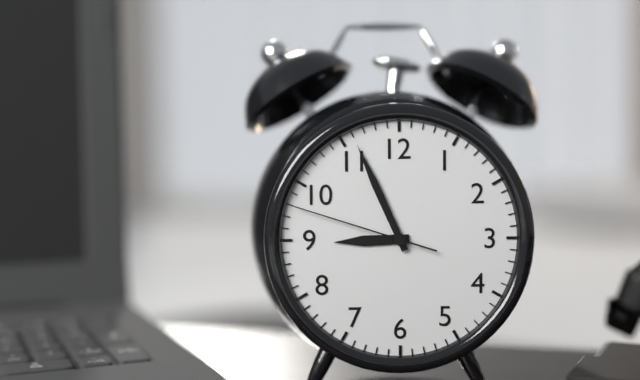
8h56m48s
